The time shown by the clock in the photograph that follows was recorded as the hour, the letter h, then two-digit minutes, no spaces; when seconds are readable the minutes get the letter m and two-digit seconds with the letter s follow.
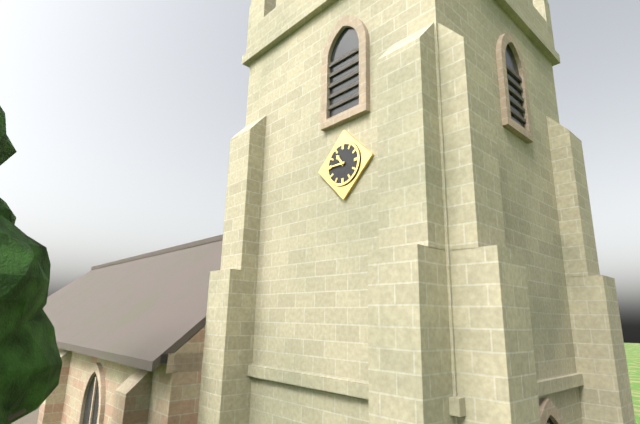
10h45
